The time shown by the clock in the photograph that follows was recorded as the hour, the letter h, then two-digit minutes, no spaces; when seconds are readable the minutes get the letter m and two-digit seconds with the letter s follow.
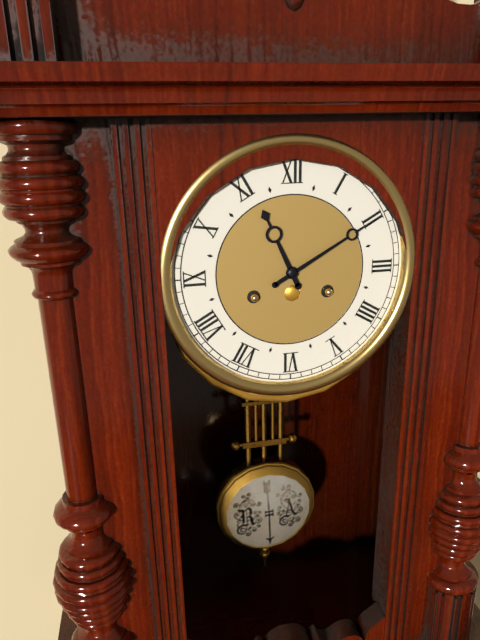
11h10
